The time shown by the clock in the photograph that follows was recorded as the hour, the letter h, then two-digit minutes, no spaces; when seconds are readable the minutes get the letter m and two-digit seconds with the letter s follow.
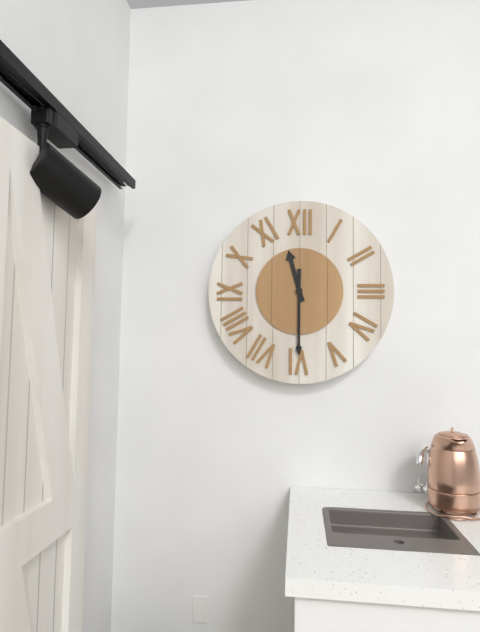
11h30
